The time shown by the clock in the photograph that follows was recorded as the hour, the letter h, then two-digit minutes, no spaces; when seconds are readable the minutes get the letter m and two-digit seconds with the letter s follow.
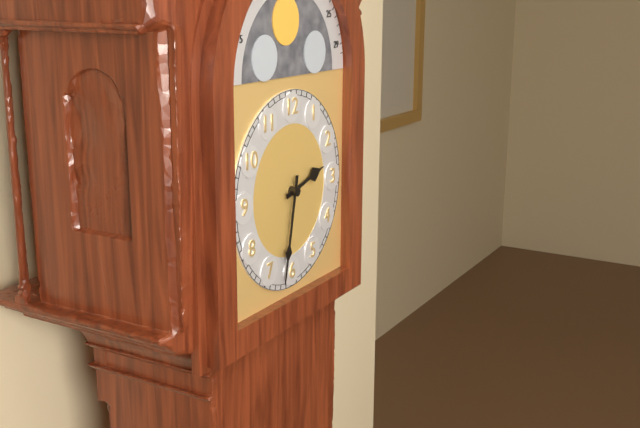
2h32
